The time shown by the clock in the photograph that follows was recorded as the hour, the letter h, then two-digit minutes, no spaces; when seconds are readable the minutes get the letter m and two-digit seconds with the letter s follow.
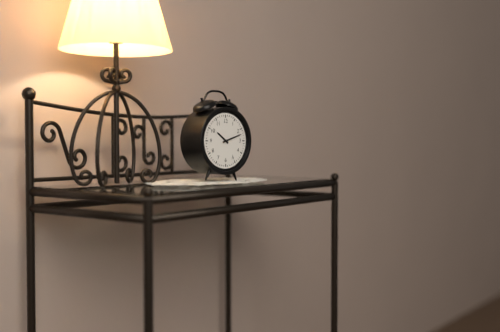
10h12
